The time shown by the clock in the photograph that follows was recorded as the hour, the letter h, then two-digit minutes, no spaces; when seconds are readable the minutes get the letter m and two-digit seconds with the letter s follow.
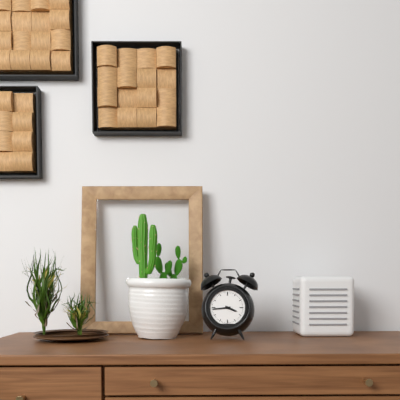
3h44
